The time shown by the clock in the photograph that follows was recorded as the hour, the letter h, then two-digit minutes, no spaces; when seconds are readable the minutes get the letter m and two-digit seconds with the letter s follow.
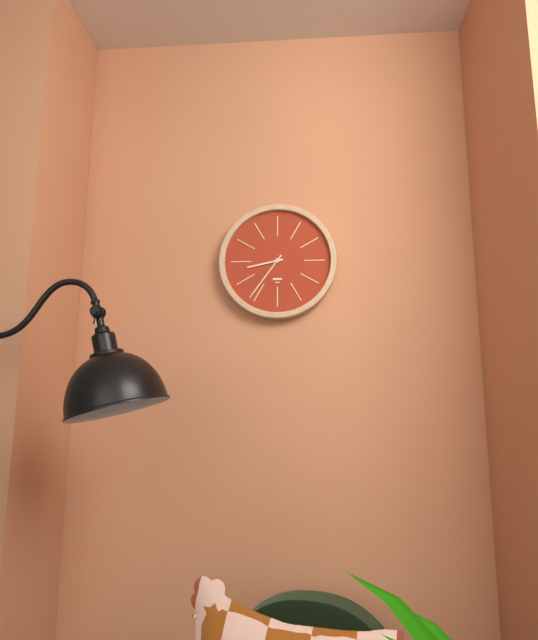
8h36
